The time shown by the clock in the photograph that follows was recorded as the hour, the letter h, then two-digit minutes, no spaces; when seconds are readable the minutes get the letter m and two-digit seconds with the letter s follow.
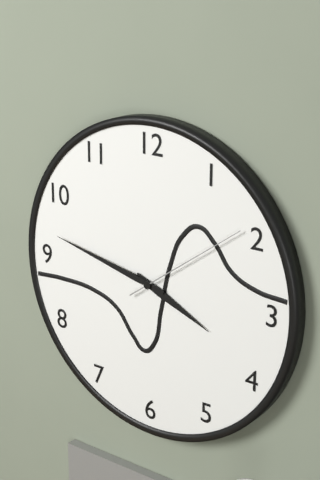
3h47m09s
